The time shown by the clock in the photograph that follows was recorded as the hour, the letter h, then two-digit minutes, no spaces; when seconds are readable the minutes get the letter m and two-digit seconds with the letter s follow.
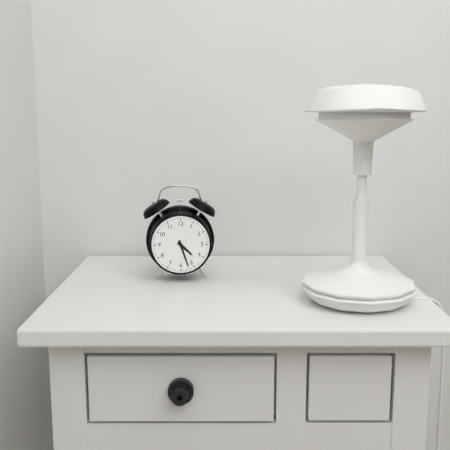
4h27
